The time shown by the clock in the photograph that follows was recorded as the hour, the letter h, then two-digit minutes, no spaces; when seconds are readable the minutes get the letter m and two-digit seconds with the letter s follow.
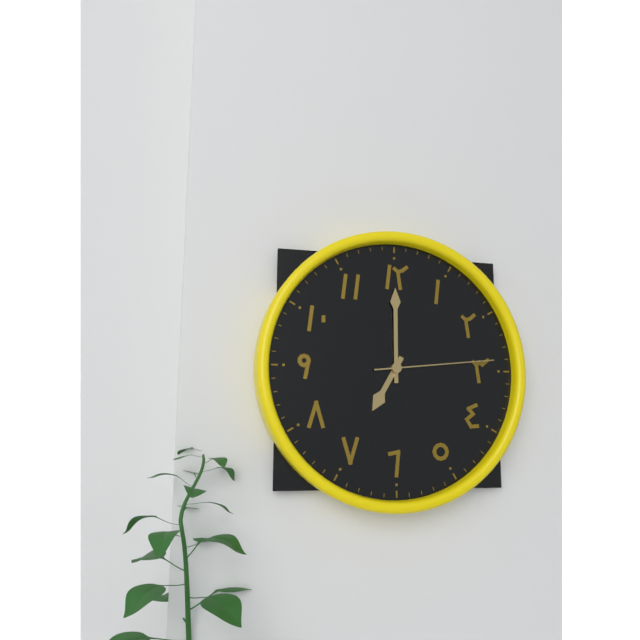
7h00m14s
